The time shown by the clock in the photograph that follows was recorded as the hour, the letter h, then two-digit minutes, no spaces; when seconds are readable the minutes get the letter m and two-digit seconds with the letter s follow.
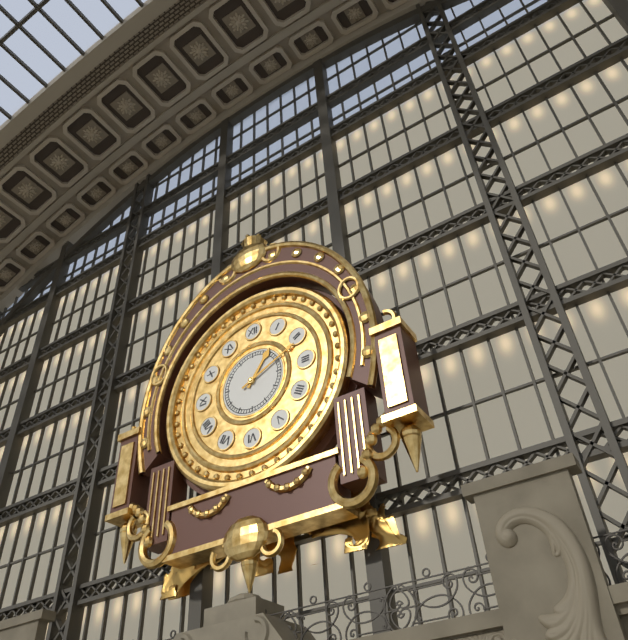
1h11
